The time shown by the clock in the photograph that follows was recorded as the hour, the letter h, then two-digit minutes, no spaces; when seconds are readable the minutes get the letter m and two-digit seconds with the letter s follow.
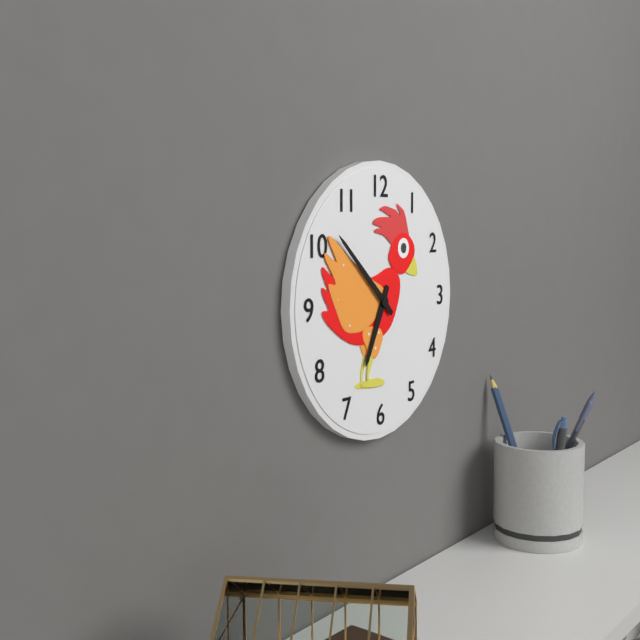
6h52
